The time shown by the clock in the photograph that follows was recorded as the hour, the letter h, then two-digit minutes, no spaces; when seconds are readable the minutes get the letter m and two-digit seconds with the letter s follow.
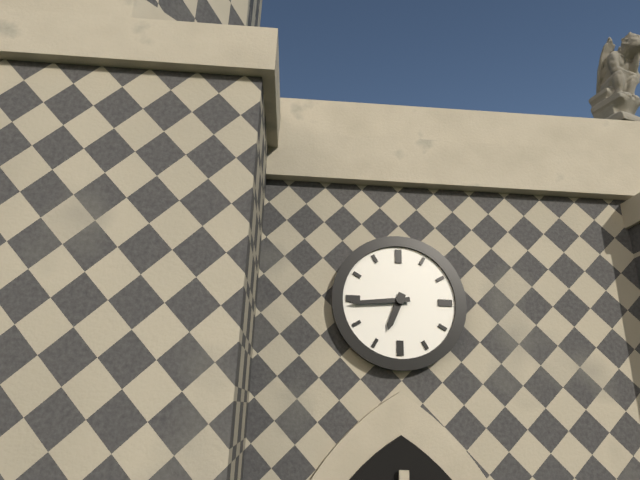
6h44
